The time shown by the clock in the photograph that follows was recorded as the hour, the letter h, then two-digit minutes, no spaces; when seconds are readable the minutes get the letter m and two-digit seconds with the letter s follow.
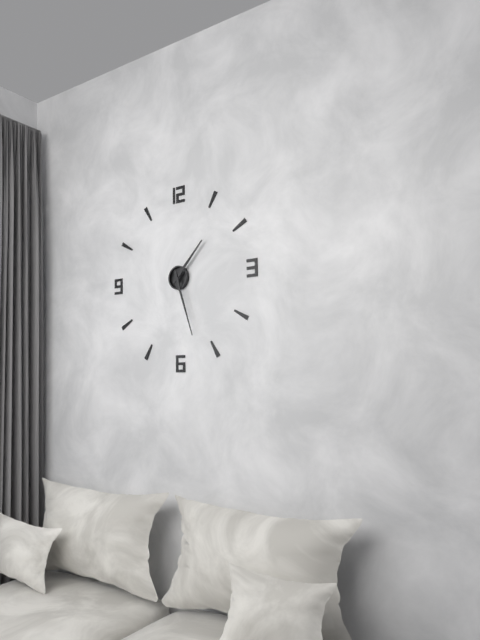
1h27
